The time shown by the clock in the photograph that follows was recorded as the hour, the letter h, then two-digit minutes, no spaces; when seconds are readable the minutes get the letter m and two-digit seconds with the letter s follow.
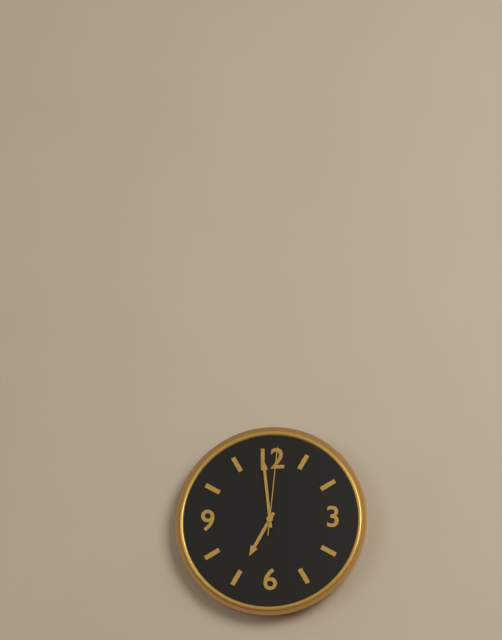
6h59m01s
